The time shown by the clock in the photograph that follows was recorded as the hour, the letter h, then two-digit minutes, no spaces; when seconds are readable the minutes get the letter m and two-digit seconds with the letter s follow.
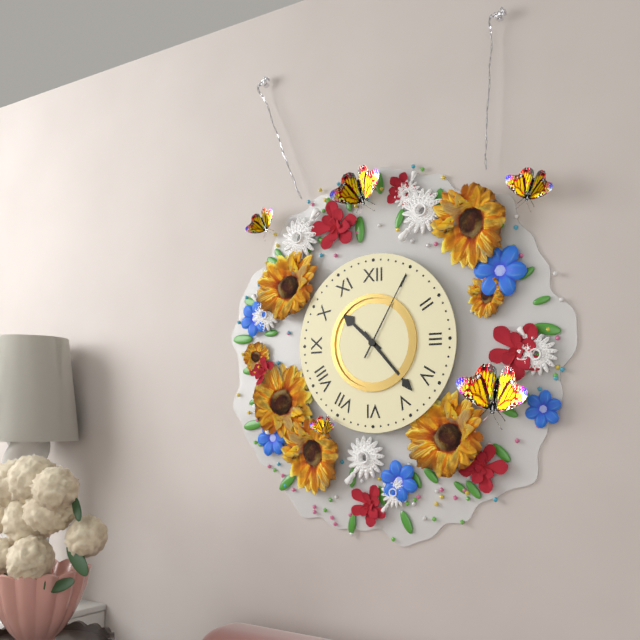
10h23m05s
